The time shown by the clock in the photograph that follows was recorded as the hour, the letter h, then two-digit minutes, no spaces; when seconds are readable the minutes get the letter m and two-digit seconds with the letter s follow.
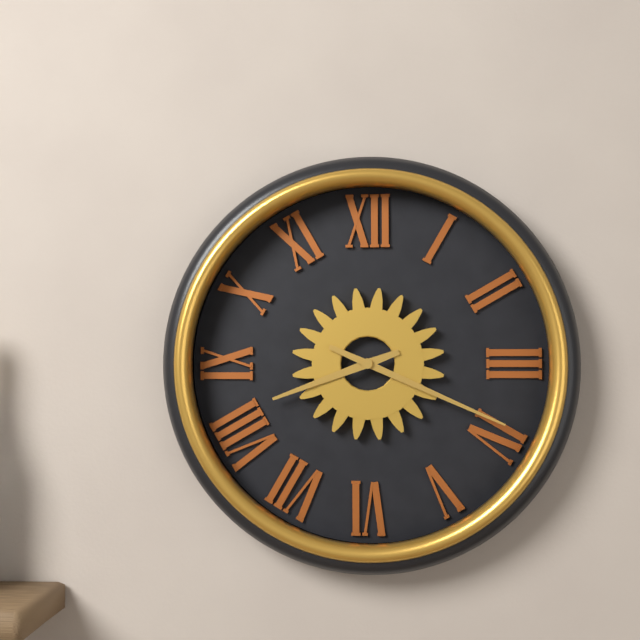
8h19
